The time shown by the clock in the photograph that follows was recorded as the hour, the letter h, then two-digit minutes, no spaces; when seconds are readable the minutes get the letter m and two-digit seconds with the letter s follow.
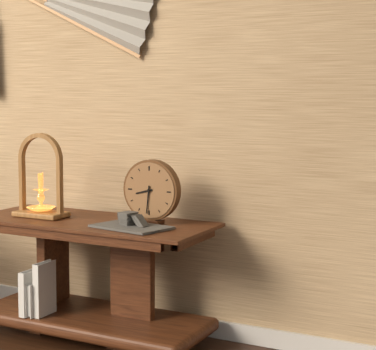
8h31
